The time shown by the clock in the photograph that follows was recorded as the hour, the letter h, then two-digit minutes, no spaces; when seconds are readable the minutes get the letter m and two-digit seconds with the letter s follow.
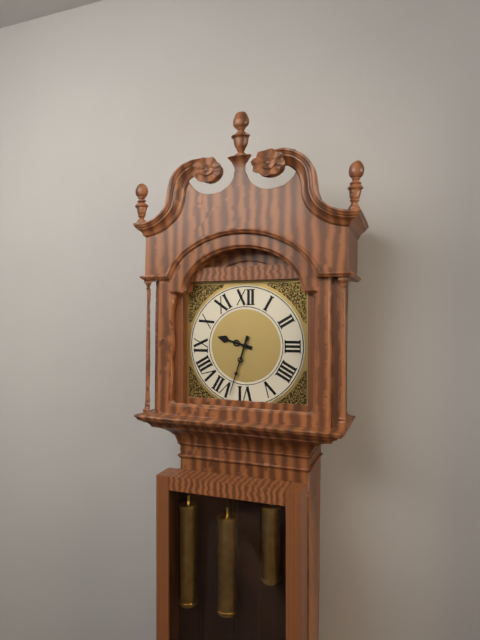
9h33
